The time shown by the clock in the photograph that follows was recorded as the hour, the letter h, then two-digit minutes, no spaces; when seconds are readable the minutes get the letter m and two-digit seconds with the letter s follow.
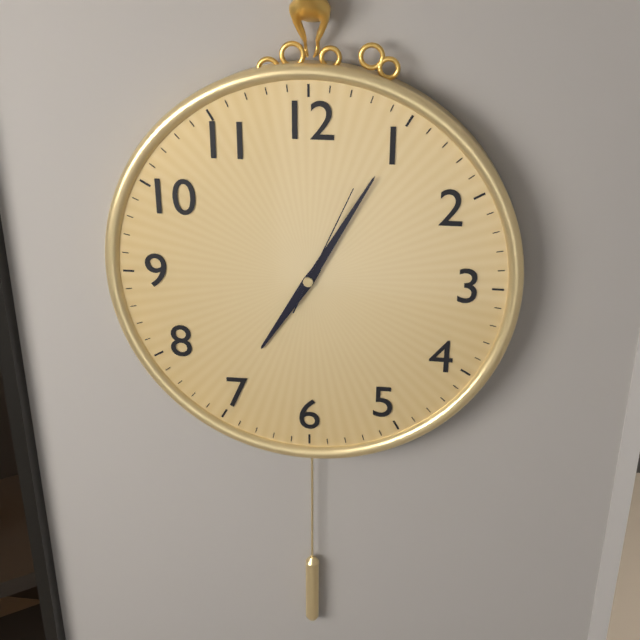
7h05m04s
